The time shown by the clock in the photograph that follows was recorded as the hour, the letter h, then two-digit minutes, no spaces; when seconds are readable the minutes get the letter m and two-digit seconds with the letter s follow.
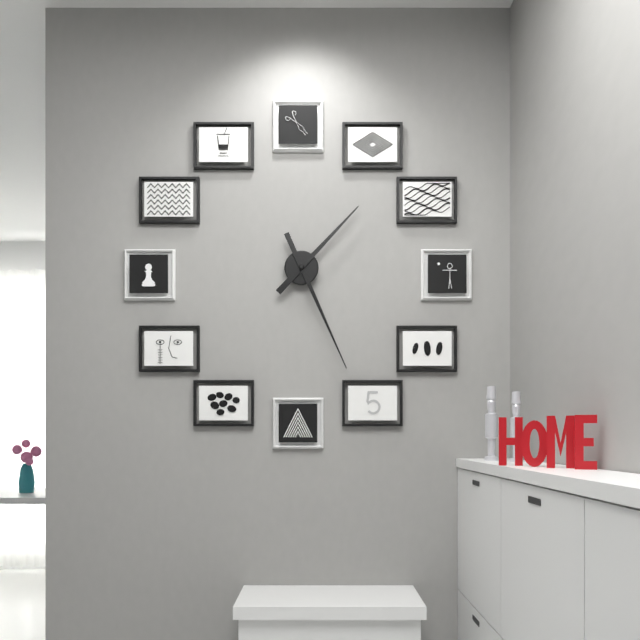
1h26
